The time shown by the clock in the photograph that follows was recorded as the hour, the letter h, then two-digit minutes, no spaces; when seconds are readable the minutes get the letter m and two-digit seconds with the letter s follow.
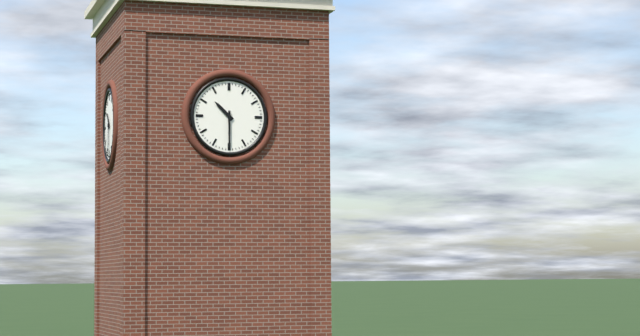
10h30
